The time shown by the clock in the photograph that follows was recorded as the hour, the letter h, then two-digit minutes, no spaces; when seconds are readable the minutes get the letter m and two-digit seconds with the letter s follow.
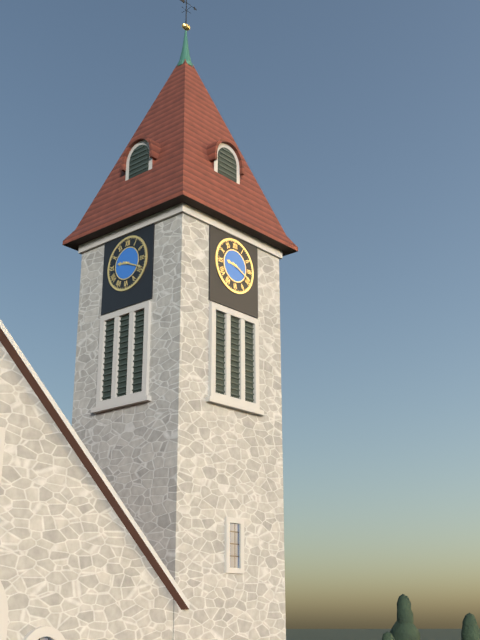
9h19
